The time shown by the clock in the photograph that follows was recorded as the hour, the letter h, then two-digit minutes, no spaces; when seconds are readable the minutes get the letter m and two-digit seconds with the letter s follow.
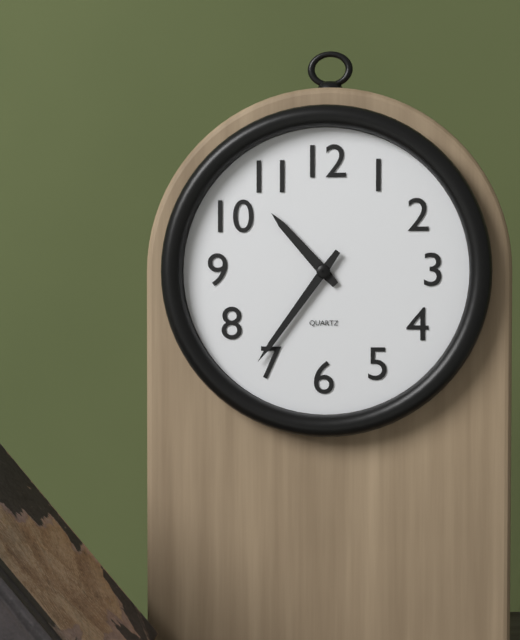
10h36
